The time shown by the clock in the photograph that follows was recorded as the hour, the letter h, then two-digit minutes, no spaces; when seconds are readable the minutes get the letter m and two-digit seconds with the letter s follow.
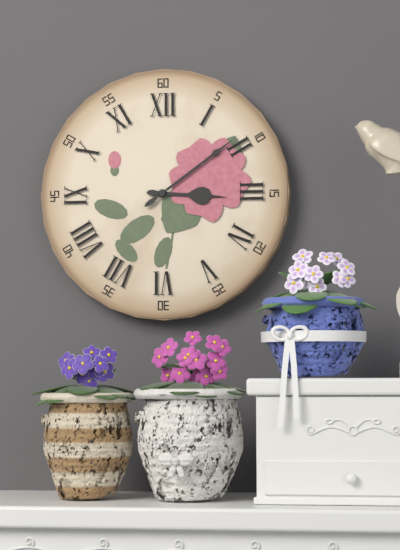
3h09
